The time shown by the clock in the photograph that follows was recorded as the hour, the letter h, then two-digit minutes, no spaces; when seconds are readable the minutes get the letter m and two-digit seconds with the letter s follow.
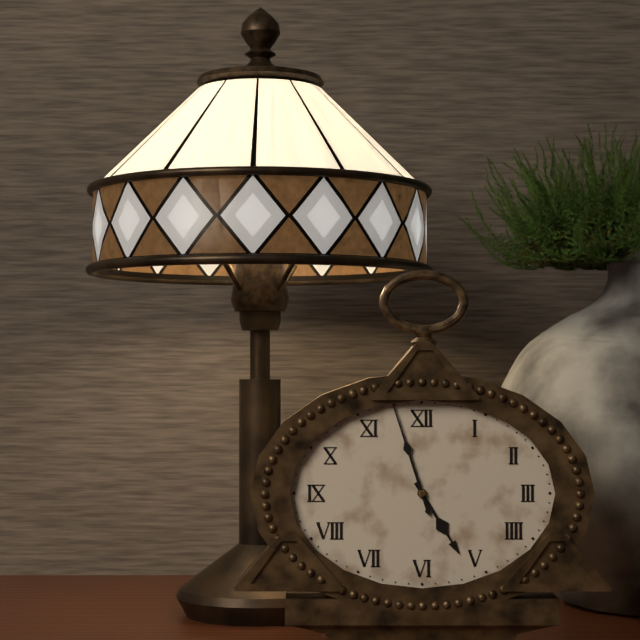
4h57
